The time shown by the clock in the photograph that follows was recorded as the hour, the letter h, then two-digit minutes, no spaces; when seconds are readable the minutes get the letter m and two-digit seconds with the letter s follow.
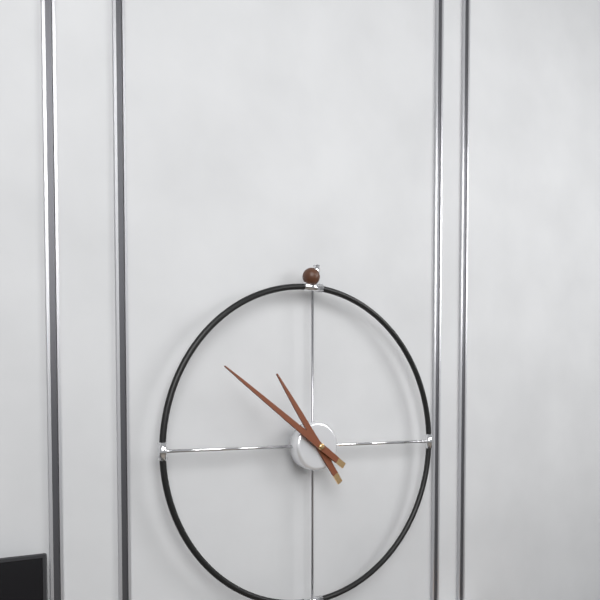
10h51
